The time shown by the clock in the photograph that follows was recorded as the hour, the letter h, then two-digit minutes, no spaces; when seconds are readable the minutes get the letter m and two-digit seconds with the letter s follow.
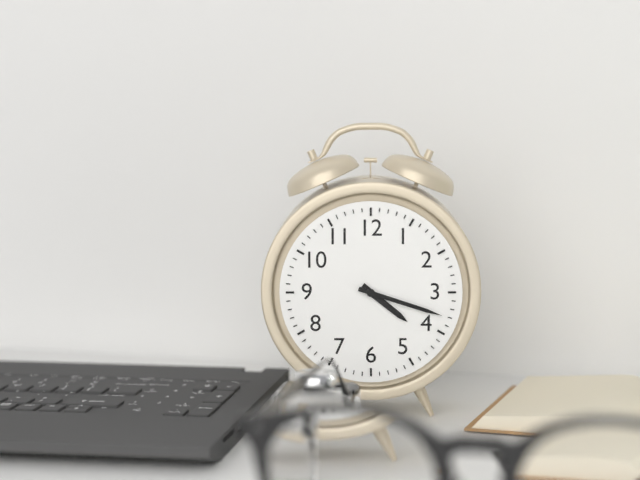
4h18
